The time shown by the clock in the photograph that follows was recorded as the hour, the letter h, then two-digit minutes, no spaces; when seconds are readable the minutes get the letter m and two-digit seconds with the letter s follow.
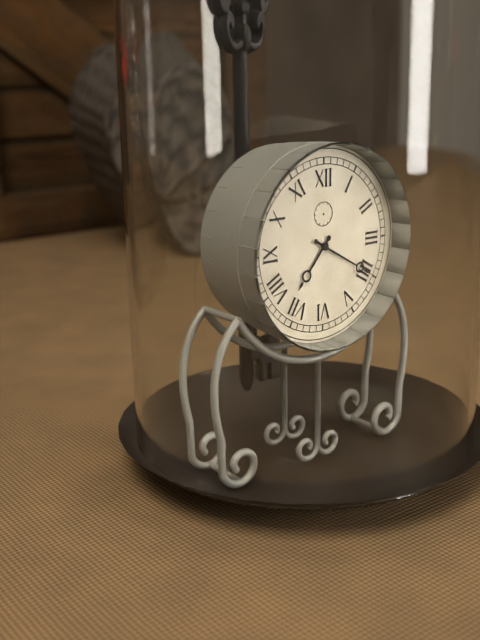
7h20
